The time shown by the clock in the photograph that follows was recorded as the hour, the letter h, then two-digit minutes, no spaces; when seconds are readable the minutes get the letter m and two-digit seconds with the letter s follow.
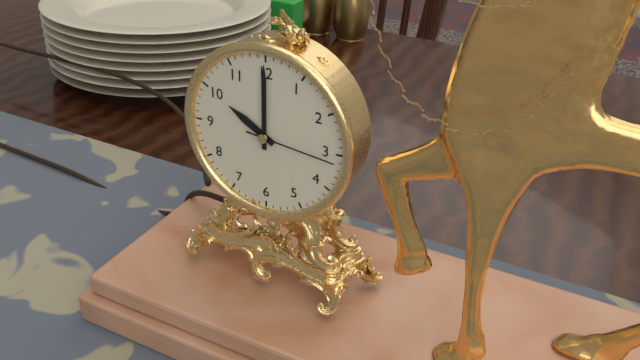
10h00m16s
